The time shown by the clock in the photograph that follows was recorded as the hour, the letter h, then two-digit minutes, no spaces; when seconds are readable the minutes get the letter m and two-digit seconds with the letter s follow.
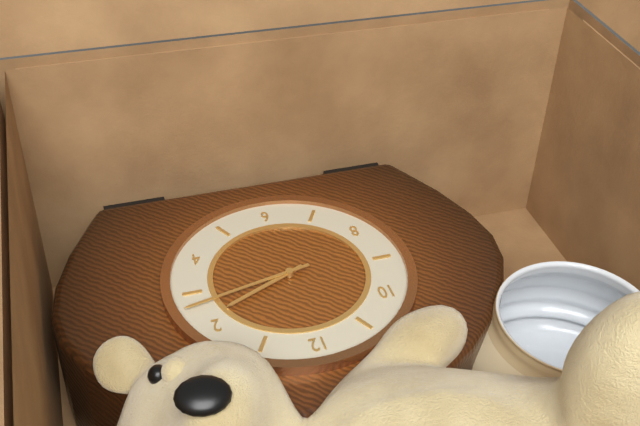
2h13
